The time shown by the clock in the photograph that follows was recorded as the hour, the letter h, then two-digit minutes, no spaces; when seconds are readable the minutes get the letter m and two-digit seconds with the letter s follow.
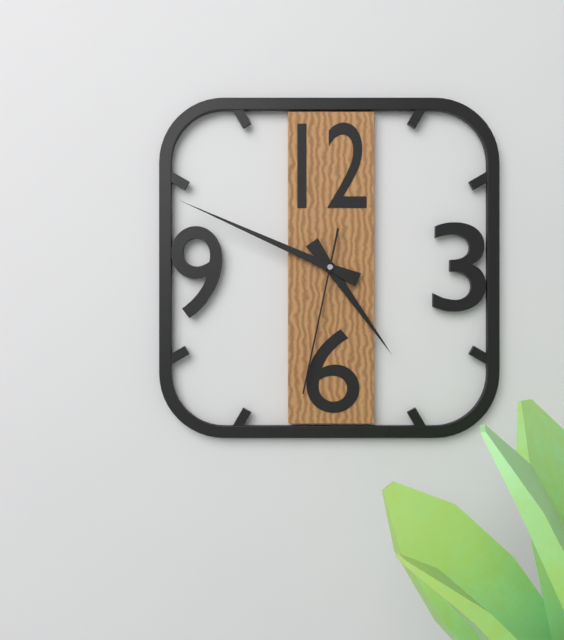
4h49m32s
